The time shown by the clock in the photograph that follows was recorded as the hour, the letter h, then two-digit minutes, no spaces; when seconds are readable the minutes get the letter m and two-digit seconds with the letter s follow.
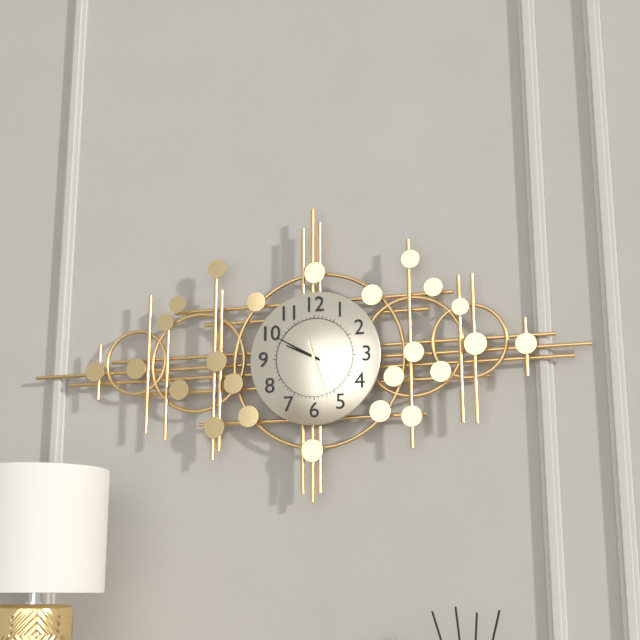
9h50m27s
